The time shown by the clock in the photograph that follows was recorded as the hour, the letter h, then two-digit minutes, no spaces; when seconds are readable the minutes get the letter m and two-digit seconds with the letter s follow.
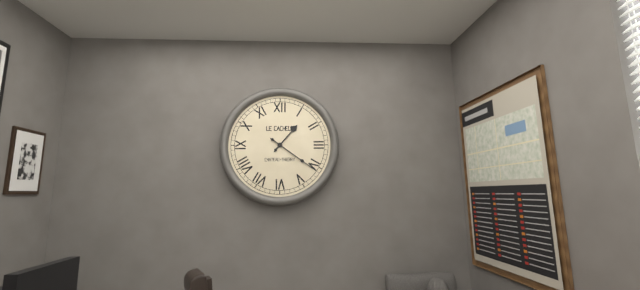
1h21
